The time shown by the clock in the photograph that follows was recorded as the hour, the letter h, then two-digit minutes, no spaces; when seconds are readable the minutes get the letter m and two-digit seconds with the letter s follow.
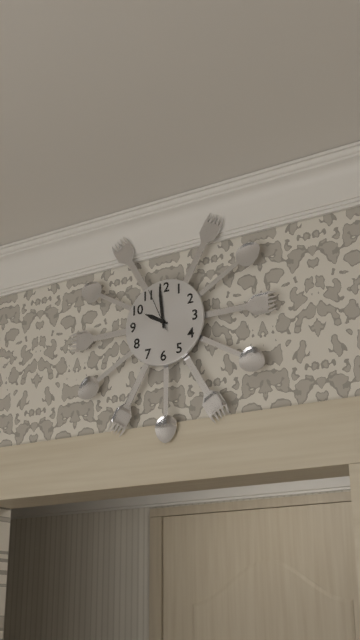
9h59
